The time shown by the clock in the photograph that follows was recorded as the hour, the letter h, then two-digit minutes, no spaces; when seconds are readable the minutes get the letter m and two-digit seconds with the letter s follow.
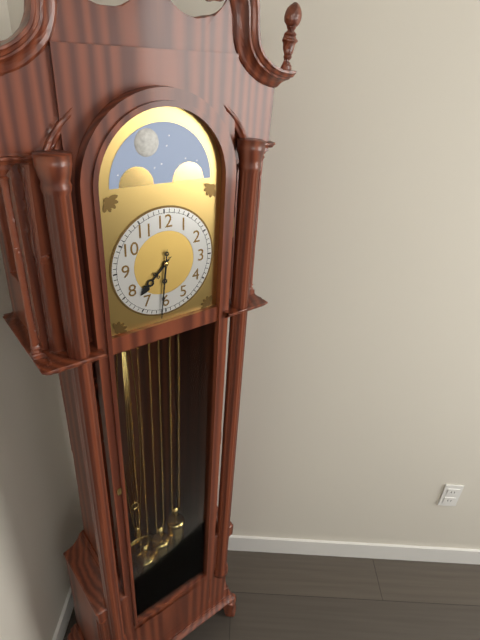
7h31
